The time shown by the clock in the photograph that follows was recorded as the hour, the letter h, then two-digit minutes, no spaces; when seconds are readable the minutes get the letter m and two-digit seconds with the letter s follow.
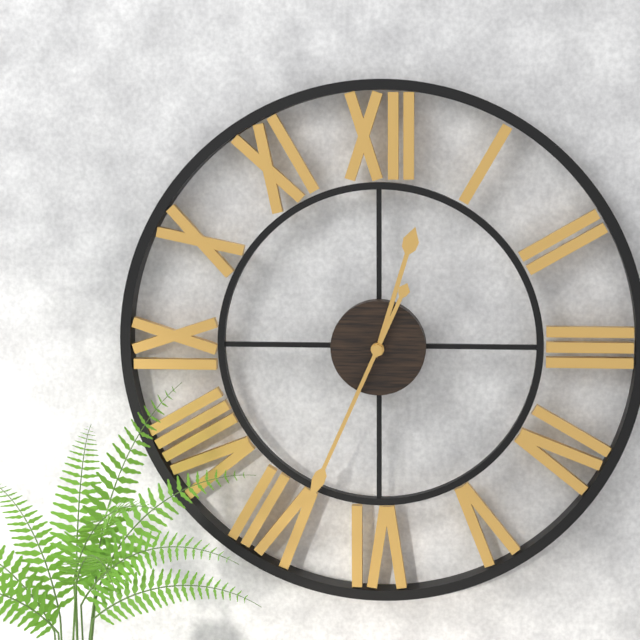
12h34
